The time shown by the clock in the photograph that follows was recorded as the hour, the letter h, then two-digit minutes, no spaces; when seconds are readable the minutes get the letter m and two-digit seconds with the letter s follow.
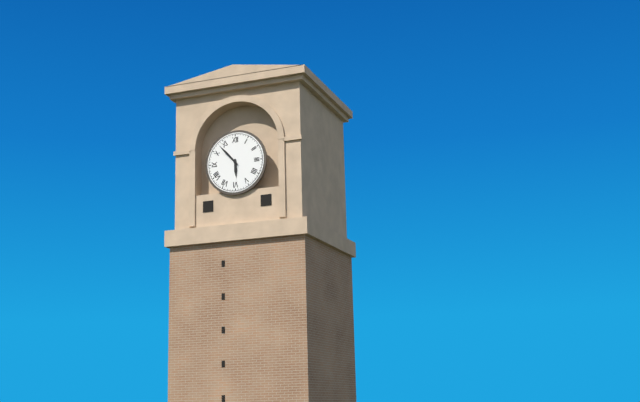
5h53
